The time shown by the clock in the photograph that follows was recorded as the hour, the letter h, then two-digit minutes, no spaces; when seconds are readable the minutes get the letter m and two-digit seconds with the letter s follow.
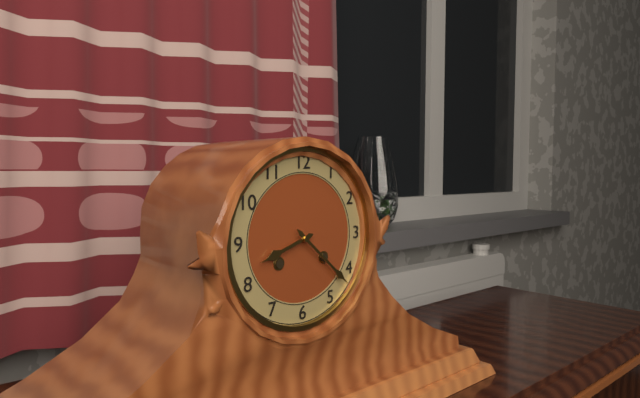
8h22
